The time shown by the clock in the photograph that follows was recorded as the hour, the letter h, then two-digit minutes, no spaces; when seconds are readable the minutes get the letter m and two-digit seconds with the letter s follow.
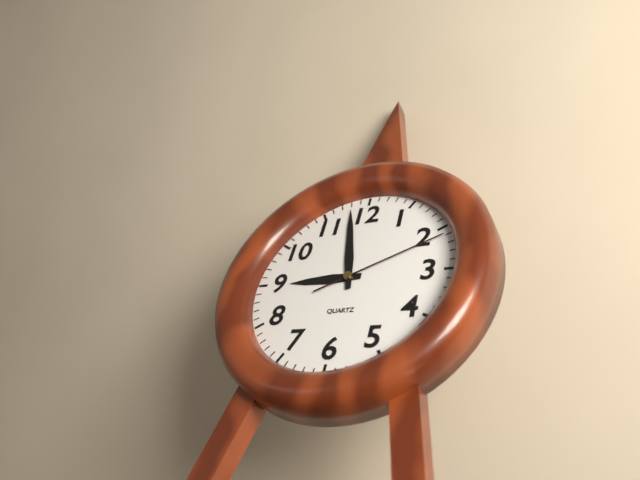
8h58m11s
